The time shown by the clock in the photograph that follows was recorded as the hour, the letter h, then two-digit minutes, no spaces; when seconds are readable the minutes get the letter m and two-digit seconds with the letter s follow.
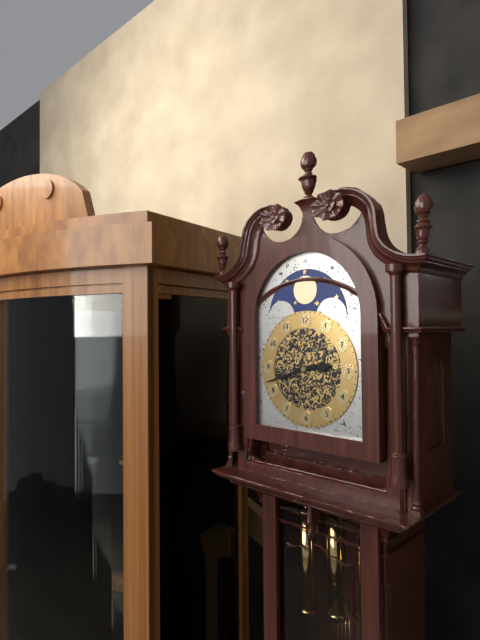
2h42
